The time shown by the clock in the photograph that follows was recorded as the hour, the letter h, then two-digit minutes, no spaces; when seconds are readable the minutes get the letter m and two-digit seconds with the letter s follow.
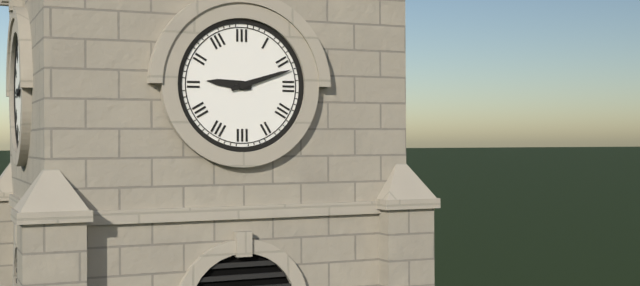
9h12
